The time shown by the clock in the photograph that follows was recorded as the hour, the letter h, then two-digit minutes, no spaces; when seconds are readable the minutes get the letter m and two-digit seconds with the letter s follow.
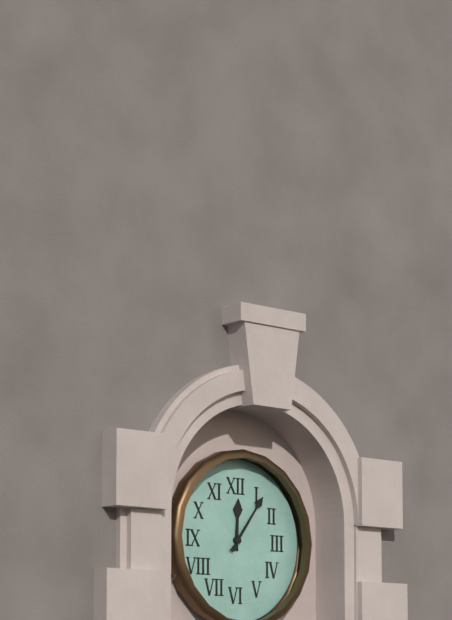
12h06
